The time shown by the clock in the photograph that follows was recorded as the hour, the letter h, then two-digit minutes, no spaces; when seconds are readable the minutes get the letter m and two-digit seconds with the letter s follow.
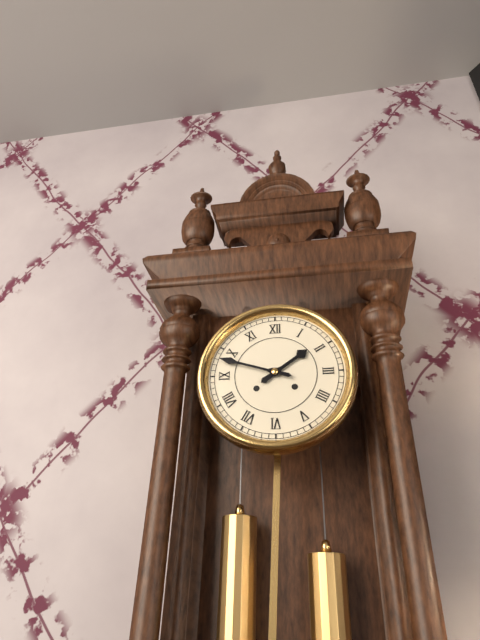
1h48
